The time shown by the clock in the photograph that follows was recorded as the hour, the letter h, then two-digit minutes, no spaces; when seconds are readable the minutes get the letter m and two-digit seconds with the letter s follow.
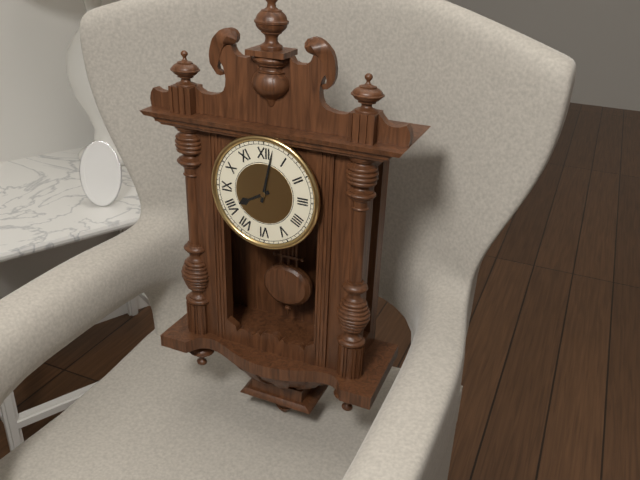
8h02
